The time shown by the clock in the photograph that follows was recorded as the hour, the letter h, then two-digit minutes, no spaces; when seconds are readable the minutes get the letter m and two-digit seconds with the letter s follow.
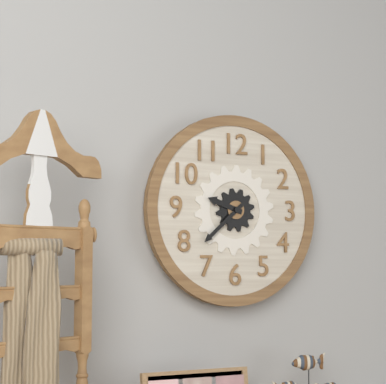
9h38
